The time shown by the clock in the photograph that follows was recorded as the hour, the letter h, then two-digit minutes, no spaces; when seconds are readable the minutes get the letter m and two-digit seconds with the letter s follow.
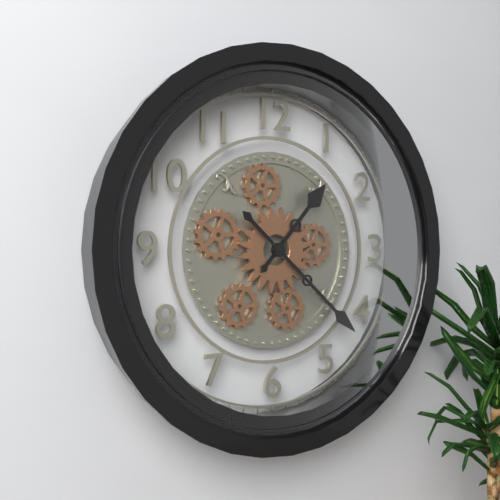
1h22
